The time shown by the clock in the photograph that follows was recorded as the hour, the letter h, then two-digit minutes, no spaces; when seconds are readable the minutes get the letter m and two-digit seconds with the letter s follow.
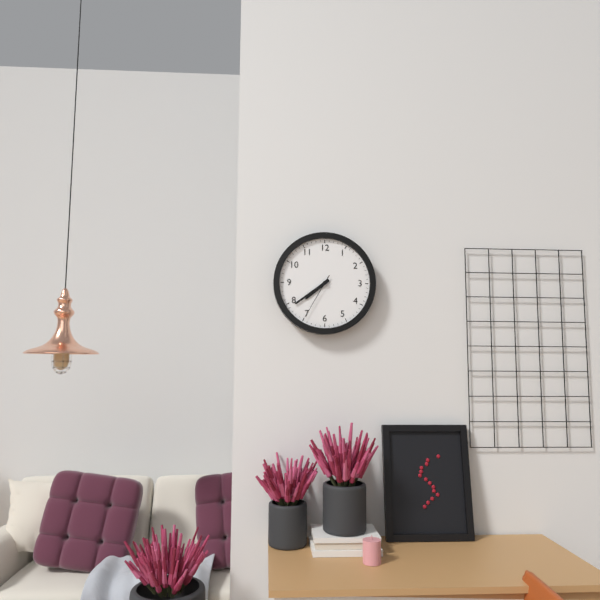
7h39
